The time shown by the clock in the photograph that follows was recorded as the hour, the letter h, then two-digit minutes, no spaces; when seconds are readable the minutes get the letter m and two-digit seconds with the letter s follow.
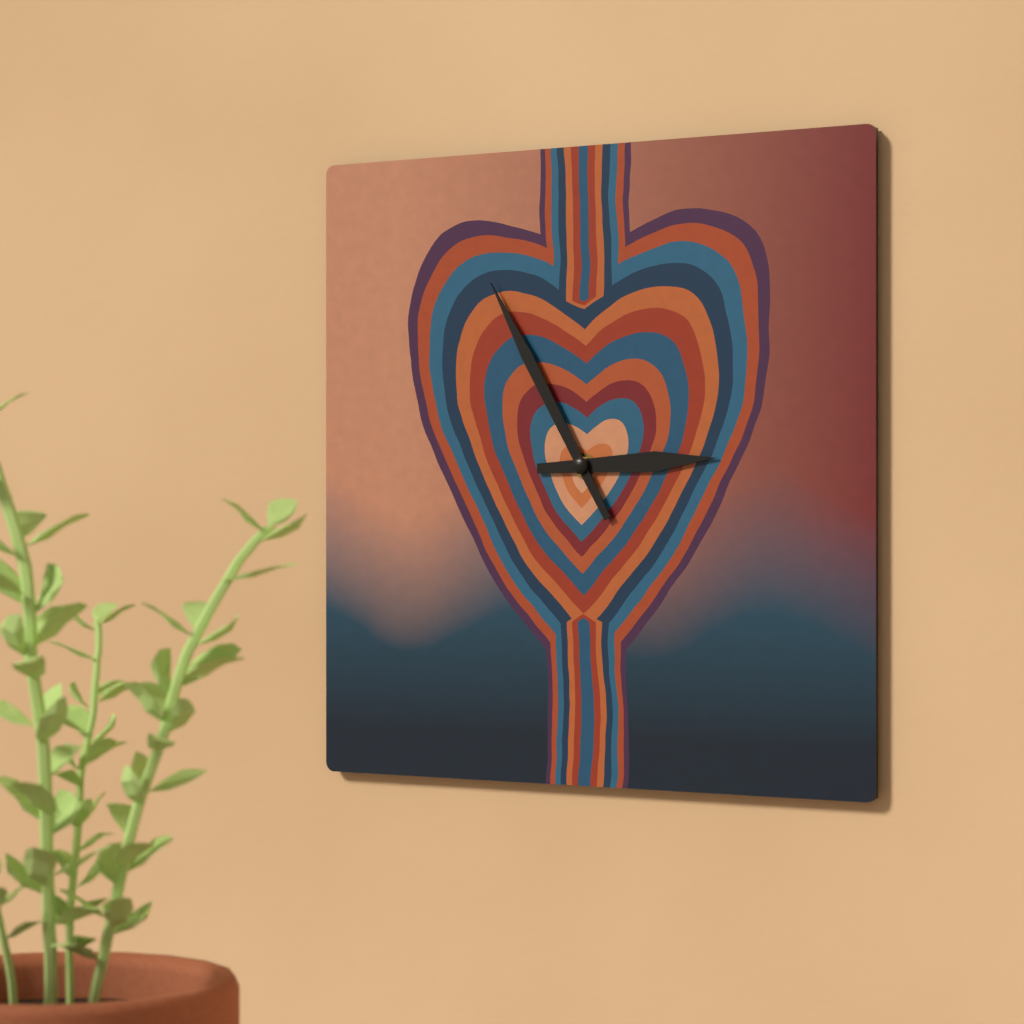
2h55
